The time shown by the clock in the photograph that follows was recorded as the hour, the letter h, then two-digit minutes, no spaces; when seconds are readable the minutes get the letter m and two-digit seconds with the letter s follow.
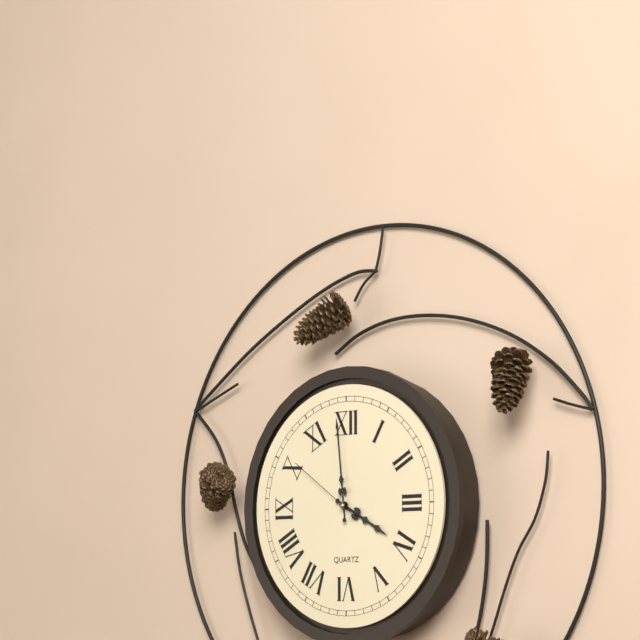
3h59m51s
